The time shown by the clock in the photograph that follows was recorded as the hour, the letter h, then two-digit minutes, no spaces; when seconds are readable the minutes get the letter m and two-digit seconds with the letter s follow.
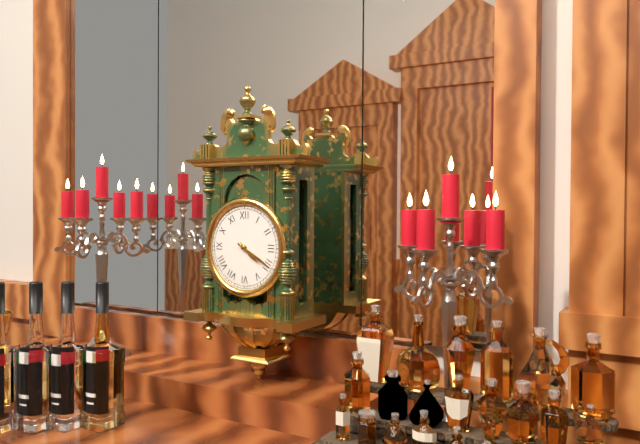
4h20
